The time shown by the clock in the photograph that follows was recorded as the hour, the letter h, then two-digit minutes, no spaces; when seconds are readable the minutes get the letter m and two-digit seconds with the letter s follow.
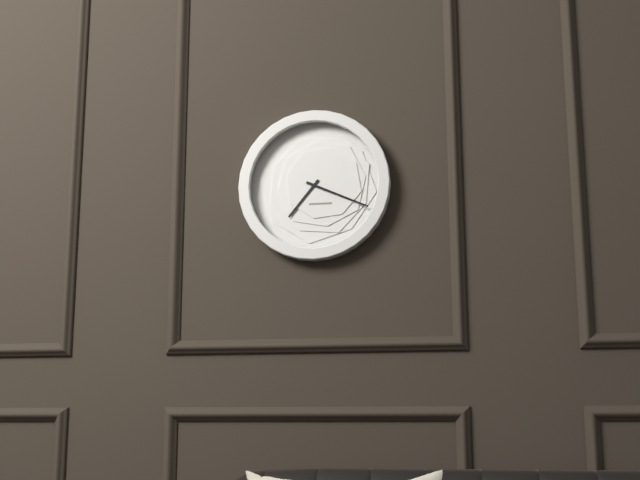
7h19
